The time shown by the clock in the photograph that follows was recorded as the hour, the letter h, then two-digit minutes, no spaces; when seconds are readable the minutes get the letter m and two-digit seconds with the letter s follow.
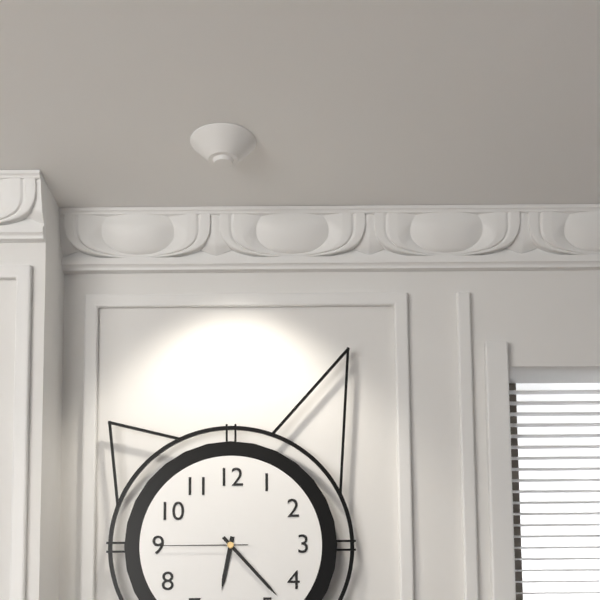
6h23m45s
